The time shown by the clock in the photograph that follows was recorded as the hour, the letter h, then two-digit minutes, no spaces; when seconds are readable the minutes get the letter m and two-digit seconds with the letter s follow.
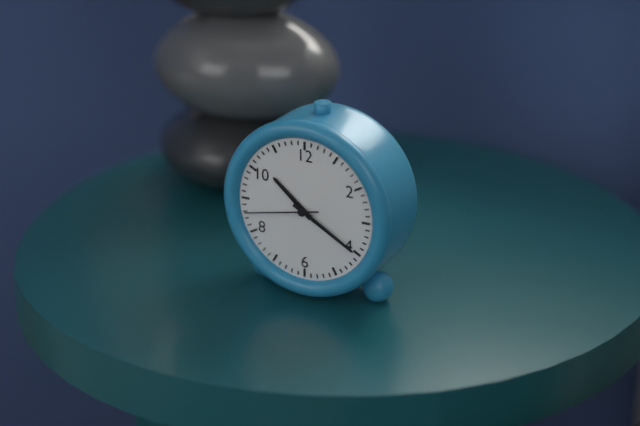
10h20m43s
